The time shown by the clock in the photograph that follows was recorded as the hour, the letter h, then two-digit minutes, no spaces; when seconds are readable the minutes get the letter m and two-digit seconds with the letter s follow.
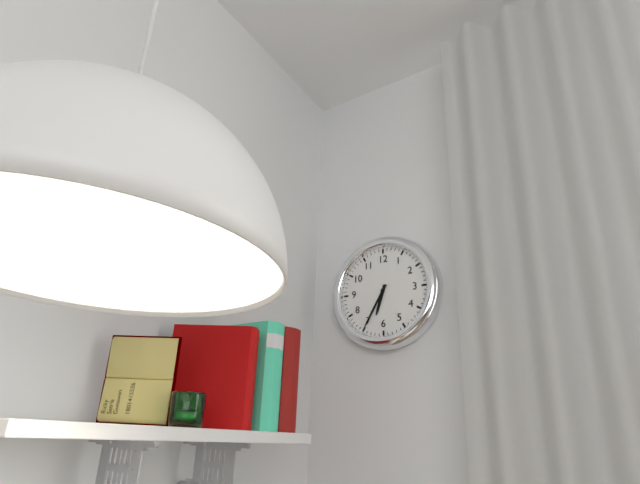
6h35
